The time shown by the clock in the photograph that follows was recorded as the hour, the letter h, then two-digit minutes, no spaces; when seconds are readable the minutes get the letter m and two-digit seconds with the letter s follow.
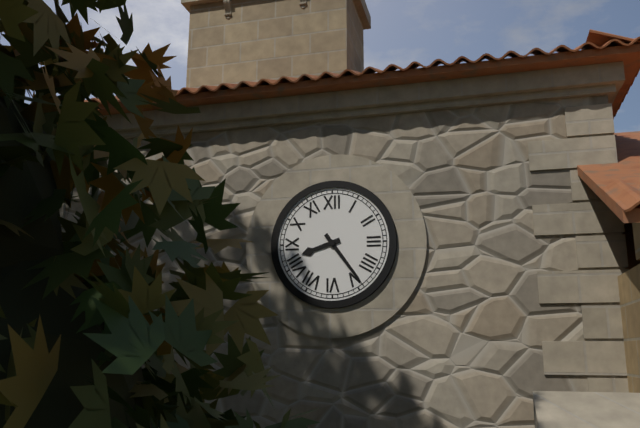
8h24
